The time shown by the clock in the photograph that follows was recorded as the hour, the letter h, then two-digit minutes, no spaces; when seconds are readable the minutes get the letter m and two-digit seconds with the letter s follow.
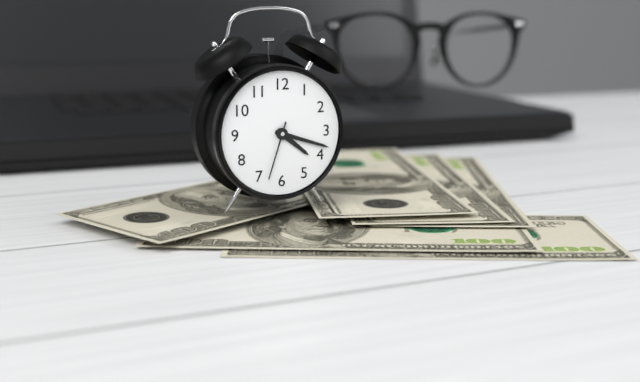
4h18m33s
